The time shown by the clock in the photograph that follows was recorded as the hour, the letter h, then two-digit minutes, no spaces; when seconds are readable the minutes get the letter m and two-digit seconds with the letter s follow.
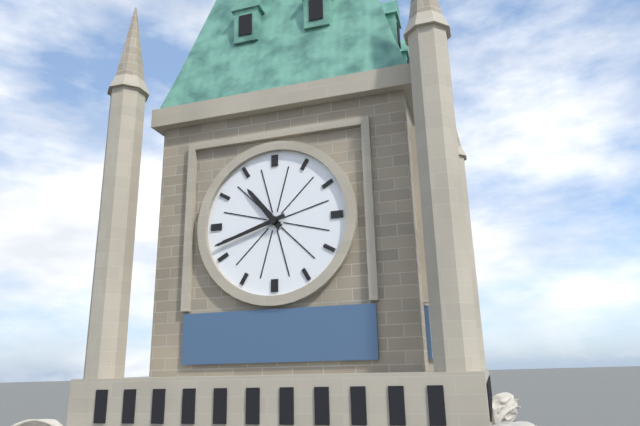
10h42
